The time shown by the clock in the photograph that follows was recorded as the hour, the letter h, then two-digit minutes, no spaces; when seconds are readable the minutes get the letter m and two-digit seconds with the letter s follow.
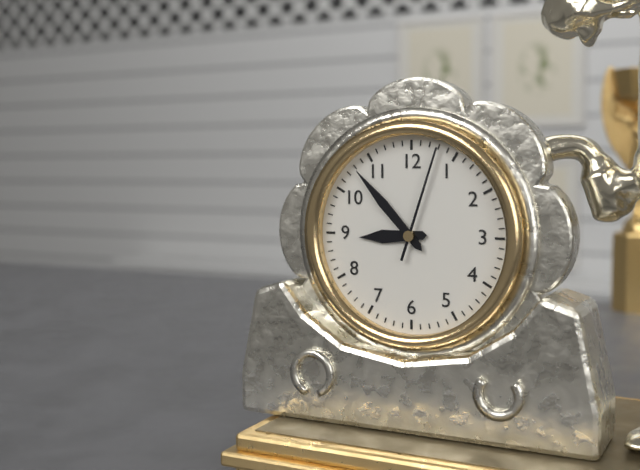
8h53m03s
